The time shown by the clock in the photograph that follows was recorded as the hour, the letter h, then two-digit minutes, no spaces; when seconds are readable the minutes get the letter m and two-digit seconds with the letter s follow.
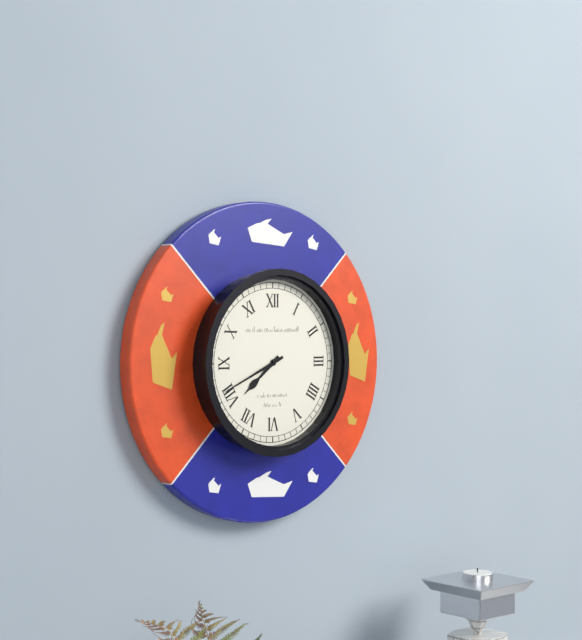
7h41
